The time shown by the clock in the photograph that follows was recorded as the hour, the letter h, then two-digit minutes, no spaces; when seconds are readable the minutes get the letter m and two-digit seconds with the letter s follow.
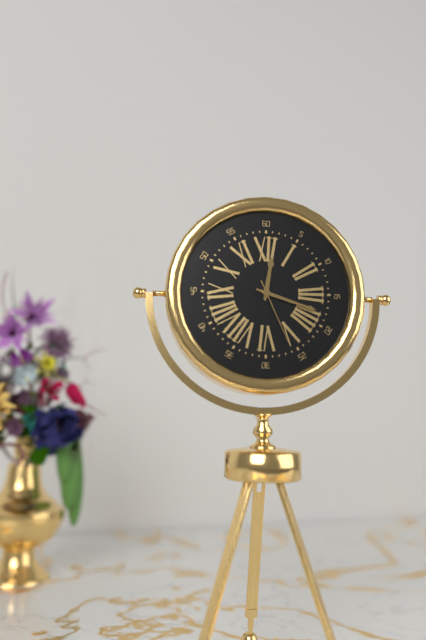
12h18m26s
